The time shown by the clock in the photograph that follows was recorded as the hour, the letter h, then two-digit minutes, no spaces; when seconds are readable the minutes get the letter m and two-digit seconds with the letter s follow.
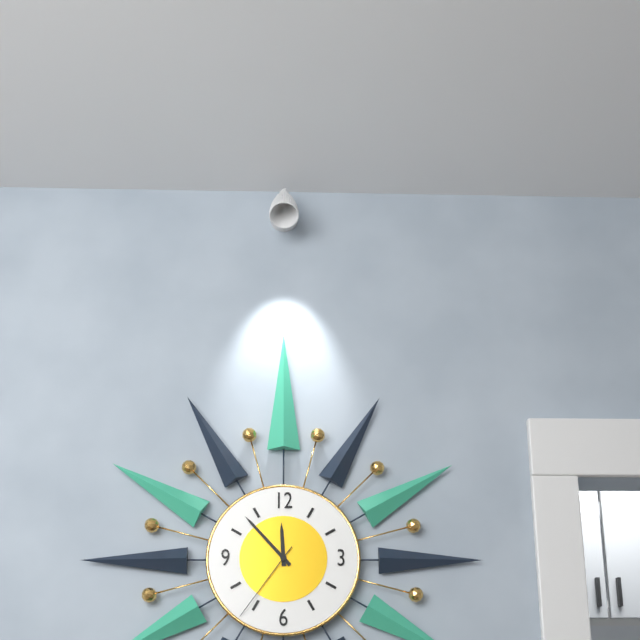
11h53m36s
